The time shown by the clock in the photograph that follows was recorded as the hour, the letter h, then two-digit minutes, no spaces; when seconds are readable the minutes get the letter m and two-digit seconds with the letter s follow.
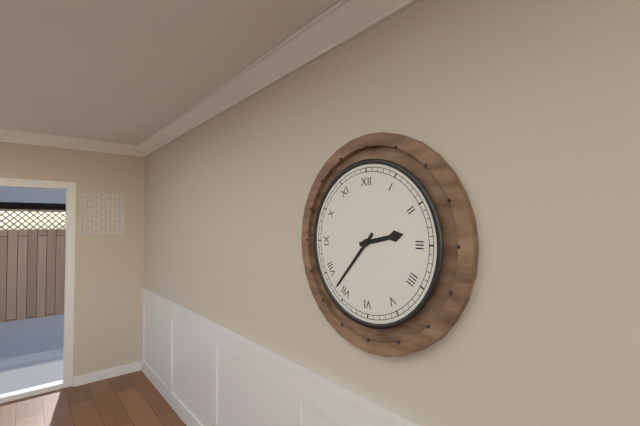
2h37
